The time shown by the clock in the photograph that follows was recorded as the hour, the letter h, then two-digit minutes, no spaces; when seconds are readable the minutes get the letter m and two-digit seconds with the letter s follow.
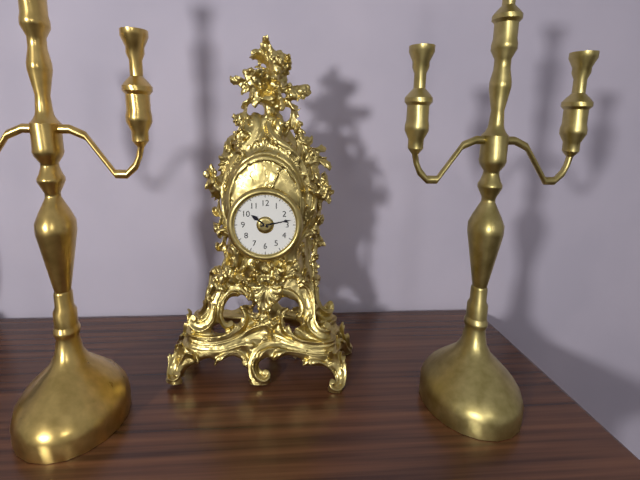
10h13
